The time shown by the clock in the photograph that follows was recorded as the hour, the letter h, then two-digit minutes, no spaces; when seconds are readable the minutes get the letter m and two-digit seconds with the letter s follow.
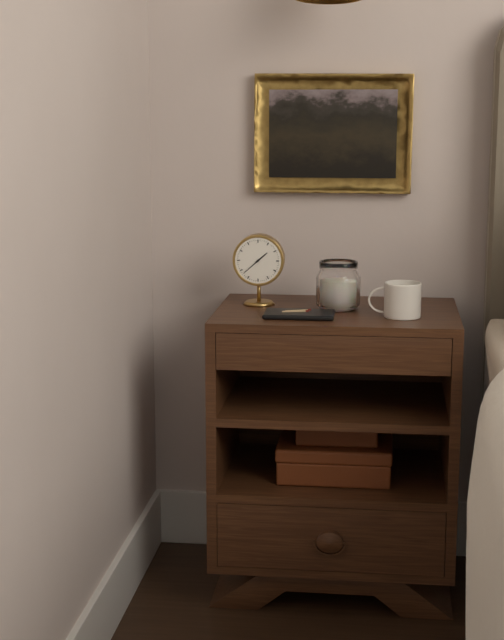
1h38
